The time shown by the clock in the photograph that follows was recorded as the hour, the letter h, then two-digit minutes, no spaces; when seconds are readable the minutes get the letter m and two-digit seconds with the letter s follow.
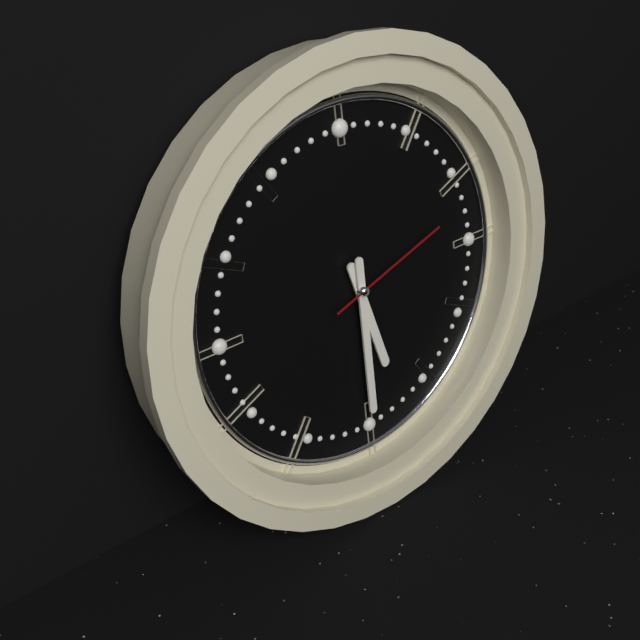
5h30m12s
